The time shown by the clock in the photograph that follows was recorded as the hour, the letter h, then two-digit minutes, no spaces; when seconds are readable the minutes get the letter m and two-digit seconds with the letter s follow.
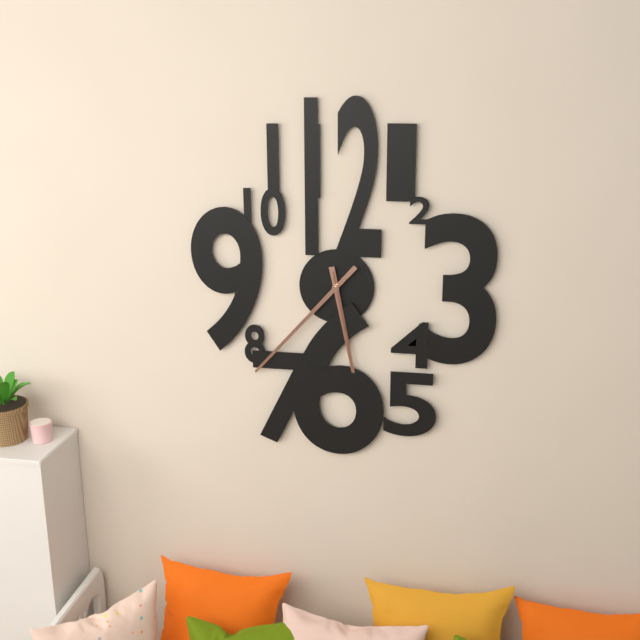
5h37m28s
